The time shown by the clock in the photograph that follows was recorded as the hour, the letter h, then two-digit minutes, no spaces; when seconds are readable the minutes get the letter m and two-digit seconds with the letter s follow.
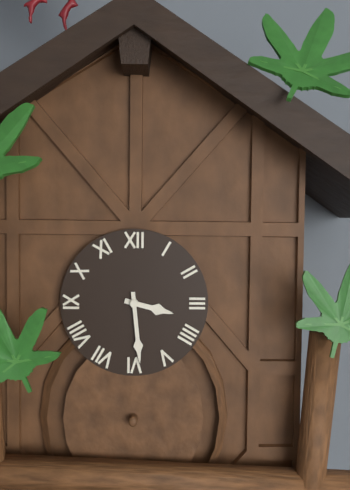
3h29
